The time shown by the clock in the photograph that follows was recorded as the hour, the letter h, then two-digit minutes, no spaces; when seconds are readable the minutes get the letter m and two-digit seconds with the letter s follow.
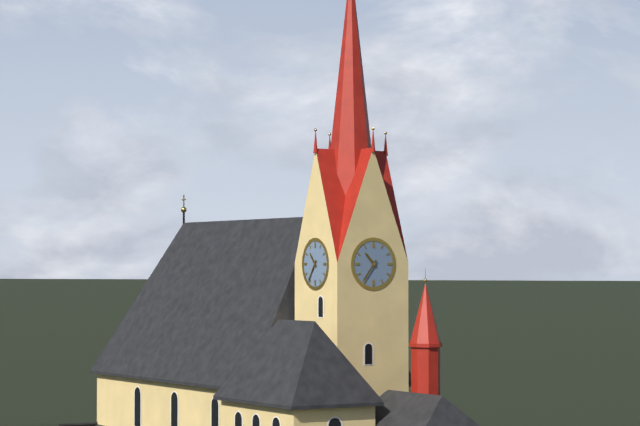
10h36
